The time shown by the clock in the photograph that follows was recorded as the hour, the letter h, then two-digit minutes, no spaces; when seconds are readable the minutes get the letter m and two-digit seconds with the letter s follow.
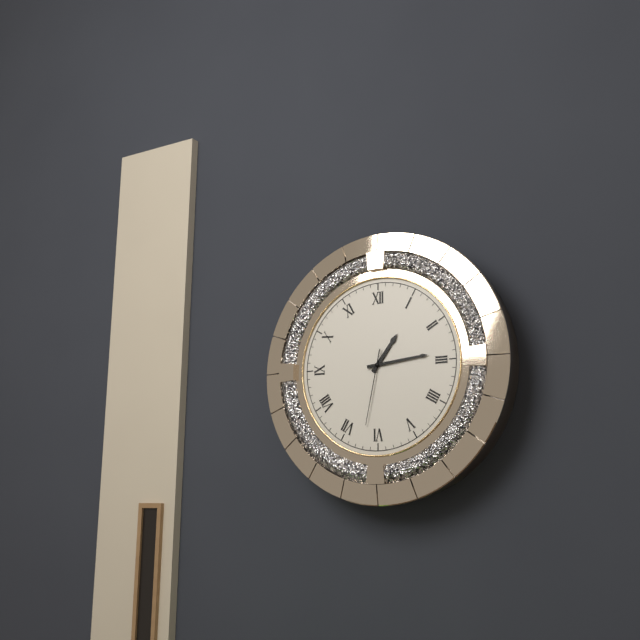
1h14m32s
